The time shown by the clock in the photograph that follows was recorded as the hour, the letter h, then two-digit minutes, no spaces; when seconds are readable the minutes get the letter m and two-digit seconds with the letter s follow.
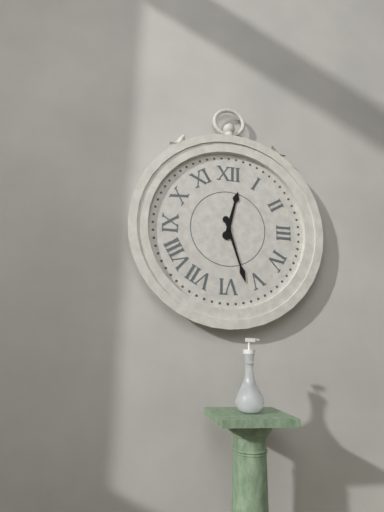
12h27
